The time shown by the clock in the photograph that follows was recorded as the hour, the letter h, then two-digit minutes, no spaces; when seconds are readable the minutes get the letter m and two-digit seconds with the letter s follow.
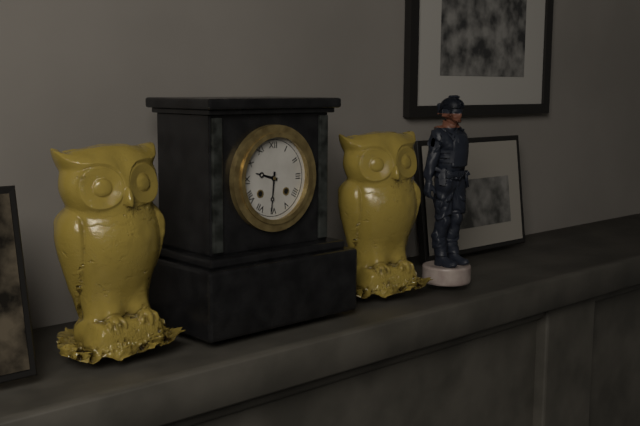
9h31
